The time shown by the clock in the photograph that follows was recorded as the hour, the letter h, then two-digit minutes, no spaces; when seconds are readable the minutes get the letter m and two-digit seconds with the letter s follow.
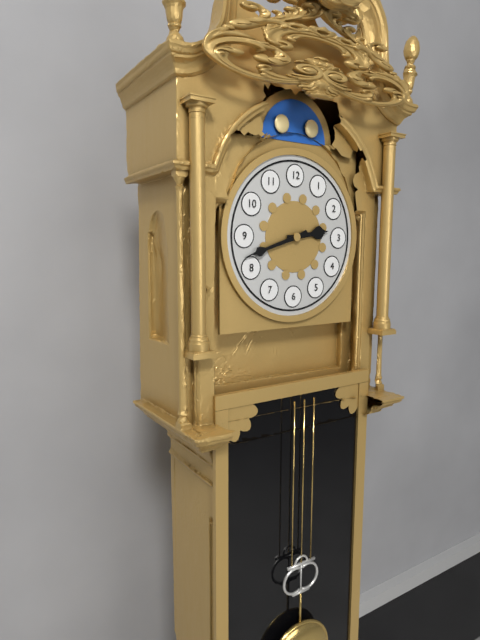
2h42
